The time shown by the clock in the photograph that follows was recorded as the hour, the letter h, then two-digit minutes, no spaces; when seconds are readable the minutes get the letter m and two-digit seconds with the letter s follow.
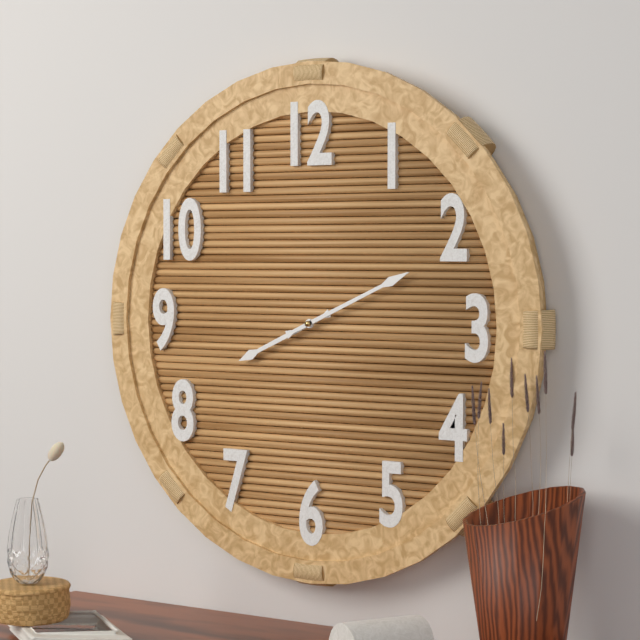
8h11
